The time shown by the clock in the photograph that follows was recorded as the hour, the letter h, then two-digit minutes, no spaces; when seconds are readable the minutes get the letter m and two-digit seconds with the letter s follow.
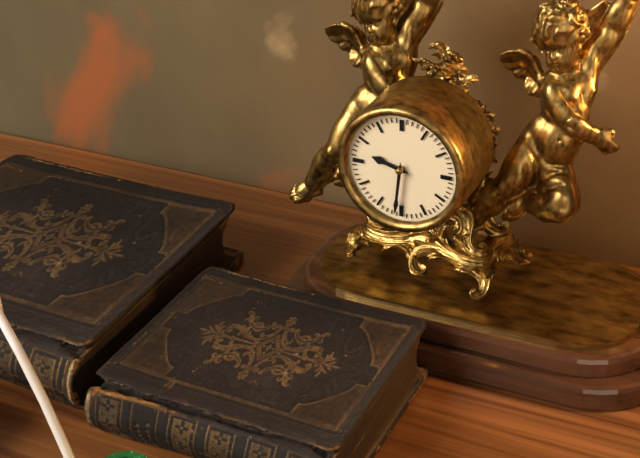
9h31
